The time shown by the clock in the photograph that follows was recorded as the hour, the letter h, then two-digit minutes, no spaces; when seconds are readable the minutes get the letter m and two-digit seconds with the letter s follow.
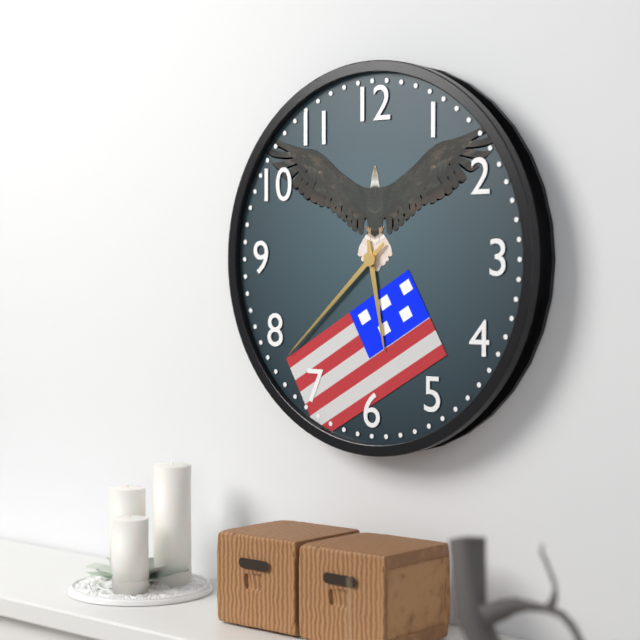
5h38
